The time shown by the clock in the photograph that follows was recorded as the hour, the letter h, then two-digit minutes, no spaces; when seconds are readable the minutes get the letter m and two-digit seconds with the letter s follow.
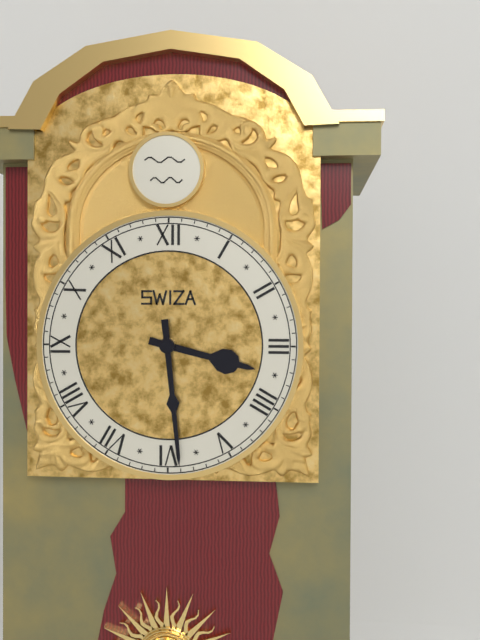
3h29
